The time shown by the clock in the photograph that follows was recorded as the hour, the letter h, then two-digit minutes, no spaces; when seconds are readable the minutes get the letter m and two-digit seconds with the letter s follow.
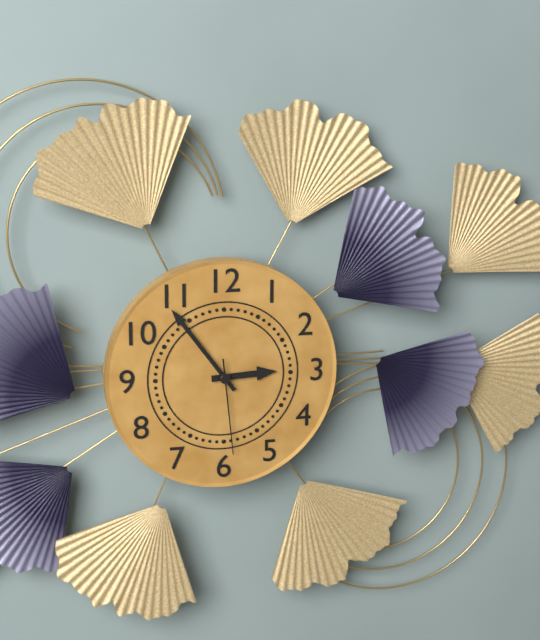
2h54m29s
